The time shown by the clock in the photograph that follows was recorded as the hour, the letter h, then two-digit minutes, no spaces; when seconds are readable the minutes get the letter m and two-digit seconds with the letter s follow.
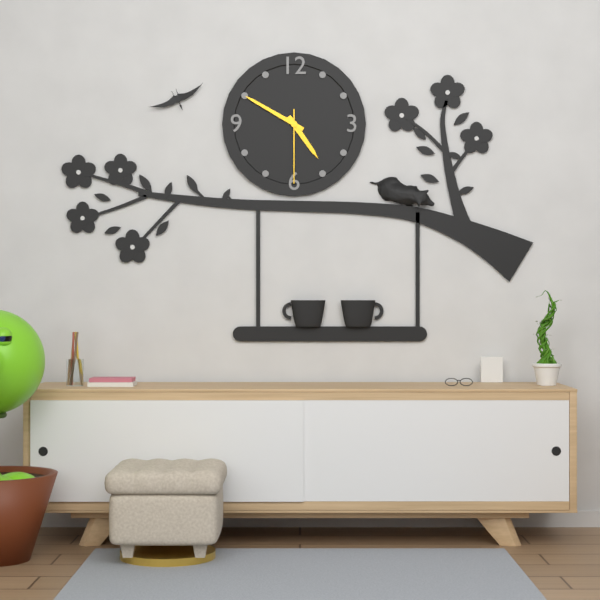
4h50m30s
